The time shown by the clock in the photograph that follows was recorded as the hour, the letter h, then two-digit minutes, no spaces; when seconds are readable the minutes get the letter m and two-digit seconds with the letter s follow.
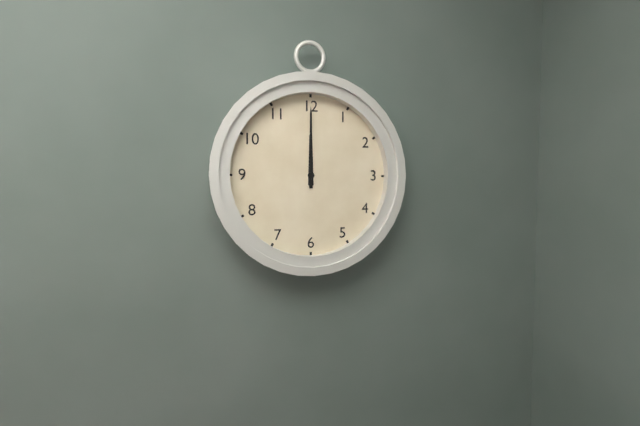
12h00
